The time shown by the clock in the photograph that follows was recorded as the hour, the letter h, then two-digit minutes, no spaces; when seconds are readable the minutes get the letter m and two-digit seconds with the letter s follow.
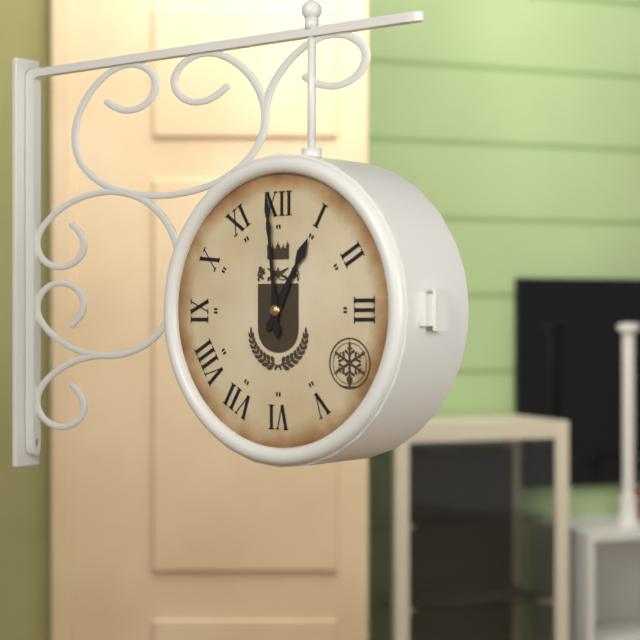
12h59
